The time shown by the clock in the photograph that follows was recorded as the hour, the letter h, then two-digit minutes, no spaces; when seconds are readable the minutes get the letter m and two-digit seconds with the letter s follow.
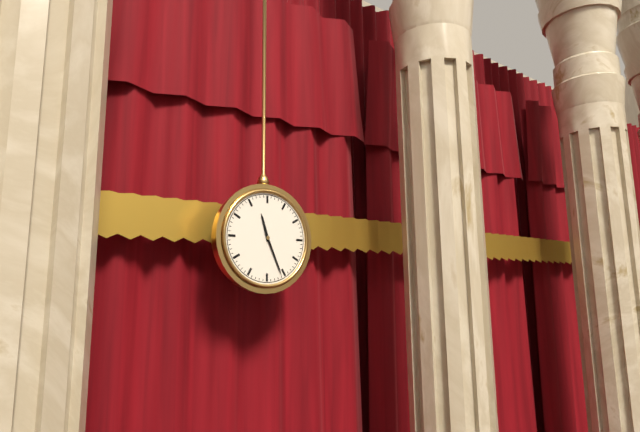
11h26
